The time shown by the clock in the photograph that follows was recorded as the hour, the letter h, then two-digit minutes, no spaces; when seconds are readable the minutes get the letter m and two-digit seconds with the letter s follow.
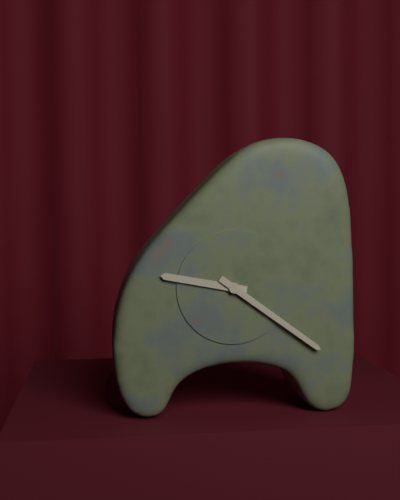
9h21
